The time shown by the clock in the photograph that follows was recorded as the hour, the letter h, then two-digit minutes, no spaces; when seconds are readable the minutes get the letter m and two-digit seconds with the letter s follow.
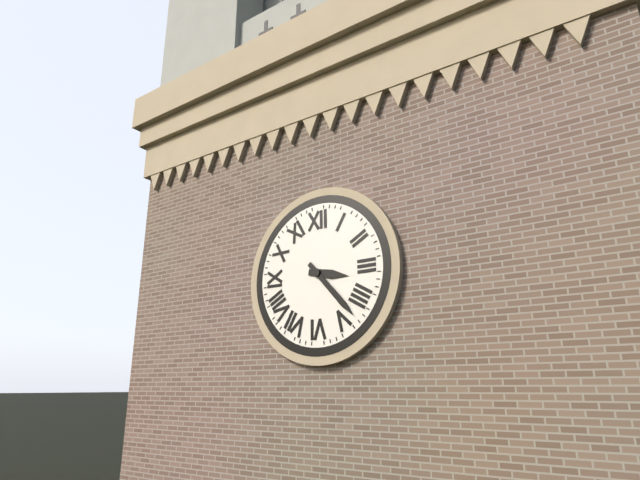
3h23
